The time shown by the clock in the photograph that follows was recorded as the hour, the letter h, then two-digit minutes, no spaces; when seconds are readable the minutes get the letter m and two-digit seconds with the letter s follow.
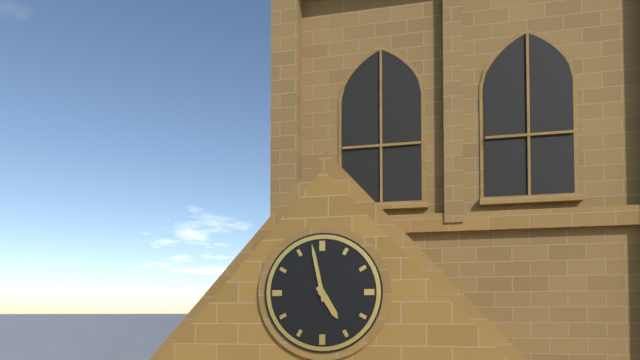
4h58
